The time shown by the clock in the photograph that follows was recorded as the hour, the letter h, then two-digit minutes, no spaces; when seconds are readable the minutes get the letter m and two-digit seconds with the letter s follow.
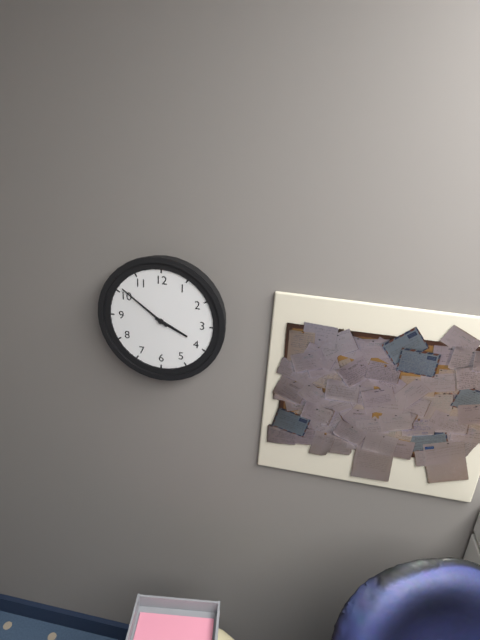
3h51
